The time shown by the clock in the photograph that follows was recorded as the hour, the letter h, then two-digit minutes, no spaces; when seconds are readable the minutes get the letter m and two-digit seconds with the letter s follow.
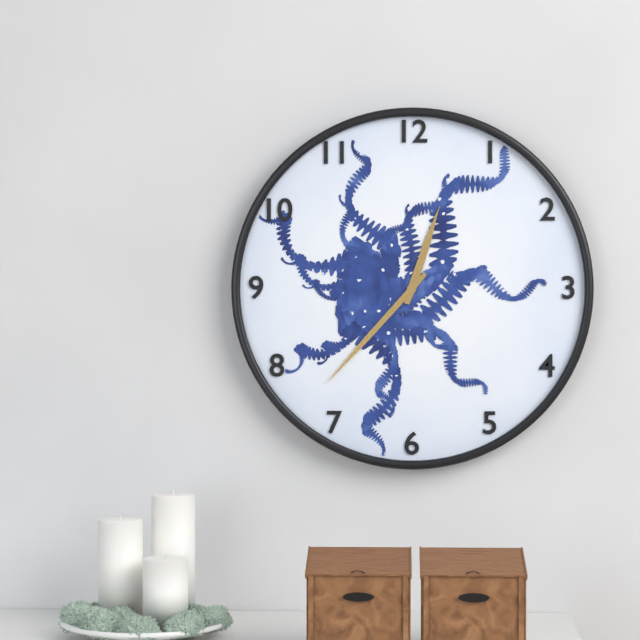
12h37
